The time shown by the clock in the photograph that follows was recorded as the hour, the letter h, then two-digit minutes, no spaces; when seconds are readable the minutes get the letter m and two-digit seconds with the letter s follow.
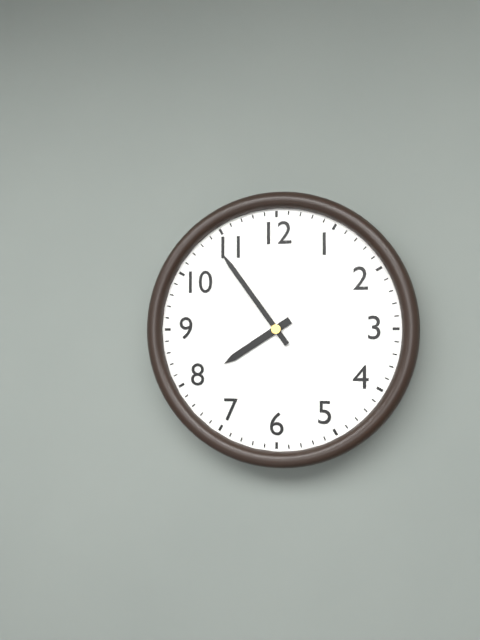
7h54
